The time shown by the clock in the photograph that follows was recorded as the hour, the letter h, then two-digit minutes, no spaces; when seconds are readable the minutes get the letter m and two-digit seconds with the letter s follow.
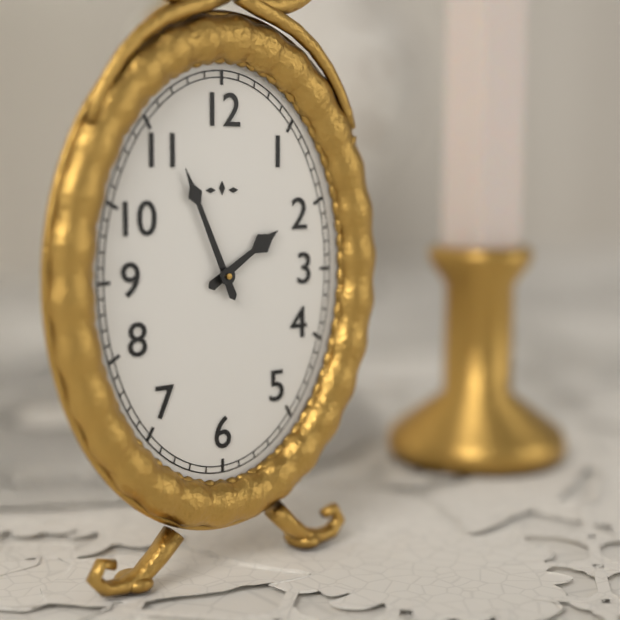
1h56
